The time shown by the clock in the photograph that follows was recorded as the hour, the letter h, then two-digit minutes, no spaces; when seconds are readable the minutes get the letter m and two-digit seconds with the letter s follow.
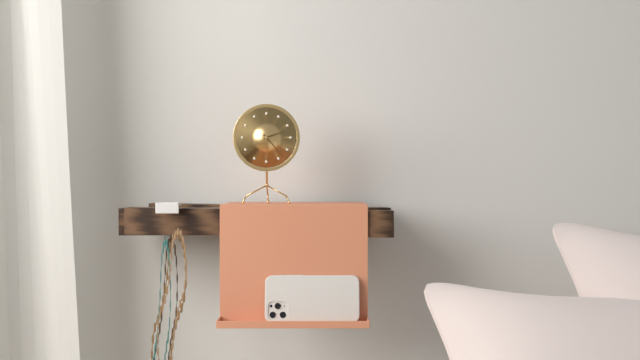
2h23
